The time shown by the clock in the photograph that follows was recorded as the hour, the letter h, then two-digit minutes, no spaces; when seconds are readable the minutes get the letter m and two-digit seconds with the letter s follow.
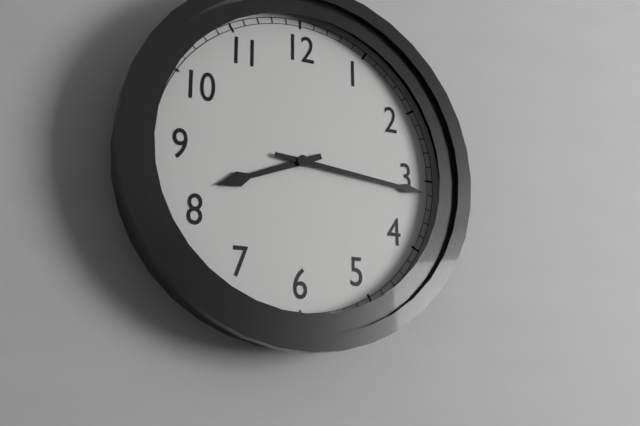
8h16
